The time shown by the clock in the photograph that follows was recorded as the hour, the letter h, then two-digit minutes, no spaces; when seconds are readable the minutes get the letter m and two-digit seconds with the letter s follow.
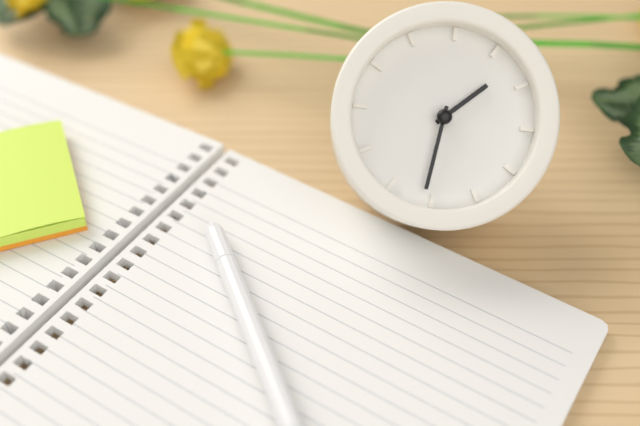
1h31
